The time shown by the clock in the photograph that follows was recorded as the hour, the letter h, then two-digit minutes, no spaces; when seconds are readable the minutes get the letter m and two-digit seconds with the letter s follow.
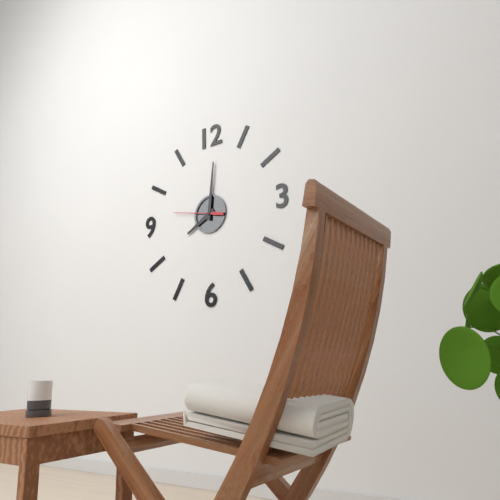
8h01
